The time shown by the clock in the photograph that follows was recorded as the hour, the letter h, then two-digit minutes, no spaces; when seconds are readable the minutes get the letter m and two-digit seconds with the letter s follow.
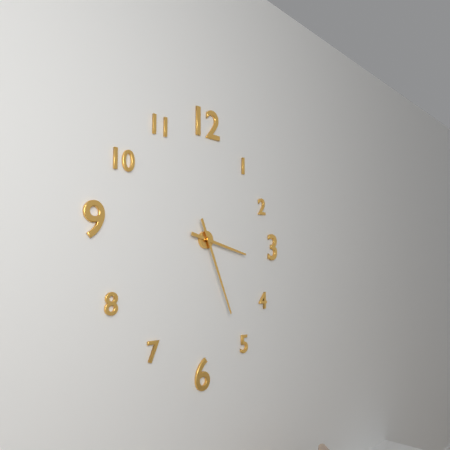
3h26
